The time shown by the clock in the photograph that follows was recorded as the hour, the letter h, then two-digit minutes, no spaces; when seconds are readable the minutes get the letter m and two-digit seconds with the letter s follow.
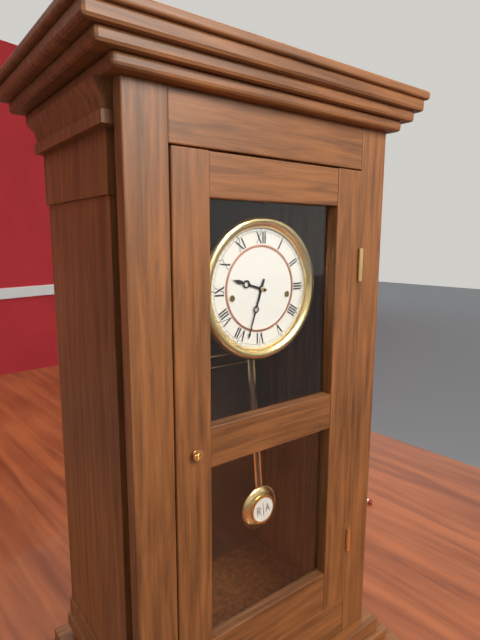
9h33
